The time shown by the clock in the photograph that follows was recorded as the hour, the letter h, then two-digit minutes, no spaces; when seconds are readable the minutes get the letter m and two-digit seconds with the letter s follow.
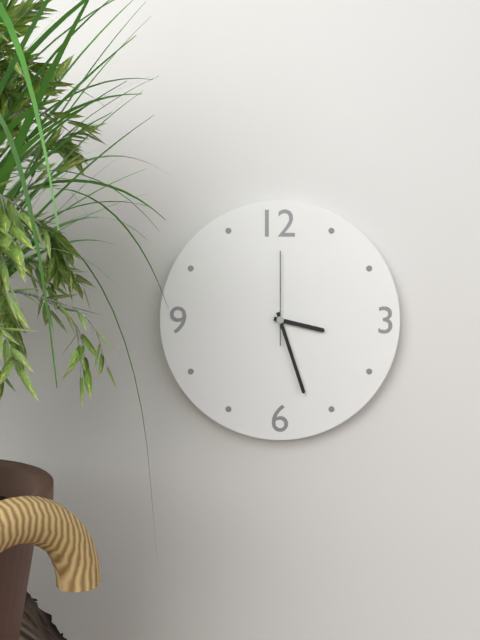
3h27m00s
